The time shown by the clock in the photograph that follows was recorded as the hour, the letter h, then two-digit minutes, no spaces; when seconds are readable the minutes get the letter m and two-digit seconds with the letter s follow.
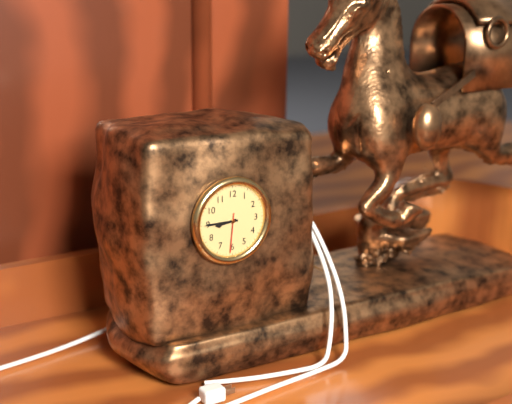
8h45
